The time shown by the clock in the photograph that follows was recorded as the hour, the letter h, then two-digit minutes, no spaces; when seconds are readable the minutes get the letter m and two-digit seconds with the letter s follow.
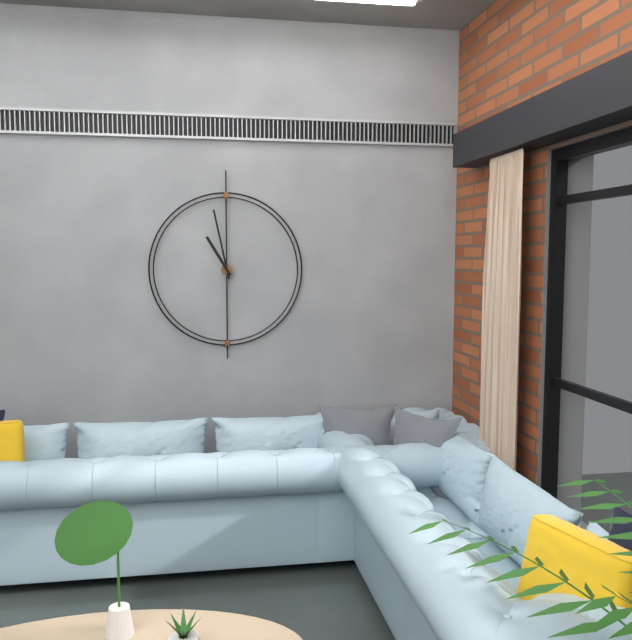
10h58
